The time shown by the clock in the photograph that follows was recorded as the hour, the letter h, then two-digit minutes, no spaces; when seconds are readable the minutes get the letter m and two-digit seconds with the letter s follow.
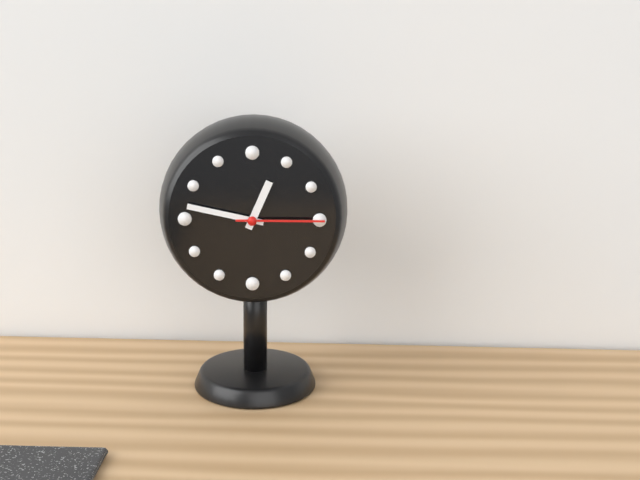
12h47m15s
